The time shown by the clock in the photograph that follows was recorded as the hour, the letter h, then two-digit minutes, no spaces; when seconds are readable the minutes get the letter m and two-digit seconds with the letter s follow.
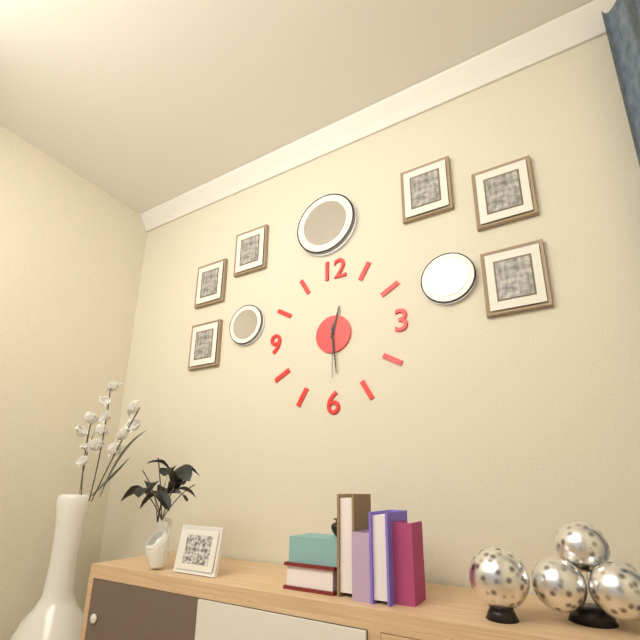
12h29m30s
